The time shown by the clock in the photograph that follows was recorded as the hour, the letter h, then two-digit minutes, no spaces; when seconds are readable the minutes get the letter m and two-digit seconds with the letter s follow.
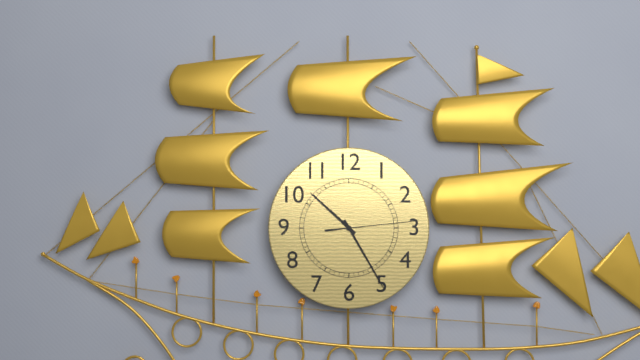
10h25m14s
